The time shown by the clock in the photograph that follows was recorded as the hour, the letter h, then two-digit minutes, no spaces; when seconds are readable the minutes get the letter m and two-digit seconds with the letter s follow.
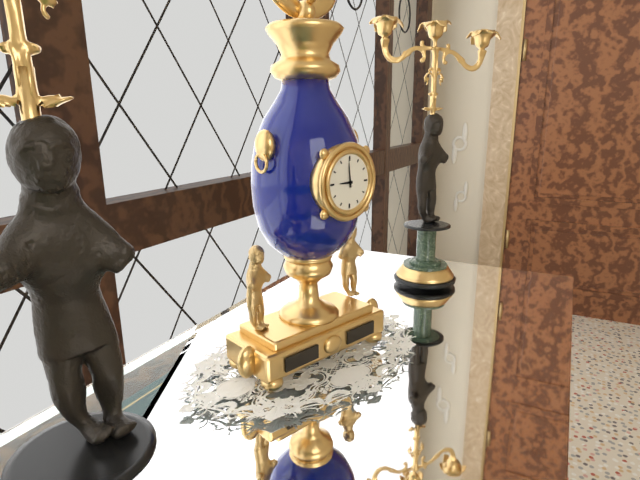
8h59
